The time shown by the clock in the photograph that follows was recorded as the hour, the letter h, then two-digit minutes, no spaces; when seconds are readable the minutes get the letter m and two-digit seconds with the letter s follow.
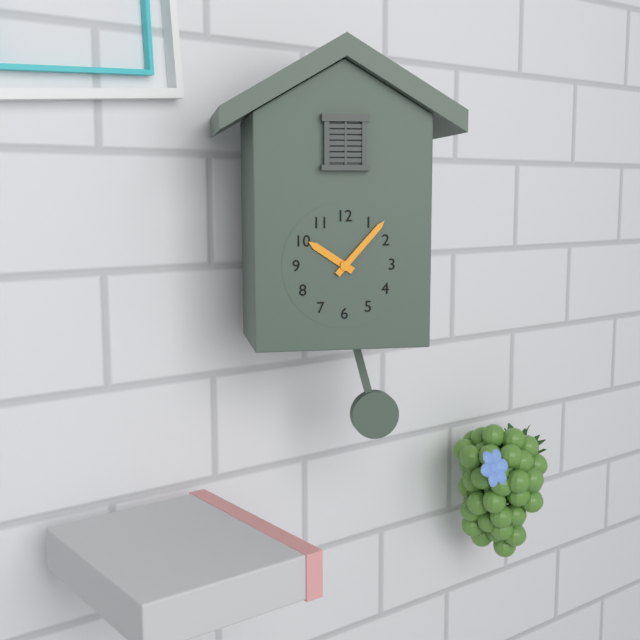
10h07
